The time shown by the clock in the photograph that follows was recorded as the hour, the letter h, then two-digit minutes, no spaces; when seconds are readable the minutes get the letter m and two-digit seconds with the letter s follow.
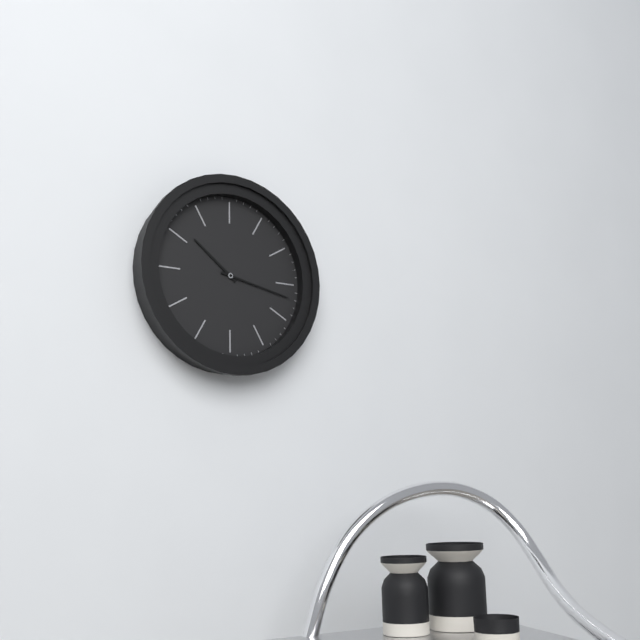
10h17
